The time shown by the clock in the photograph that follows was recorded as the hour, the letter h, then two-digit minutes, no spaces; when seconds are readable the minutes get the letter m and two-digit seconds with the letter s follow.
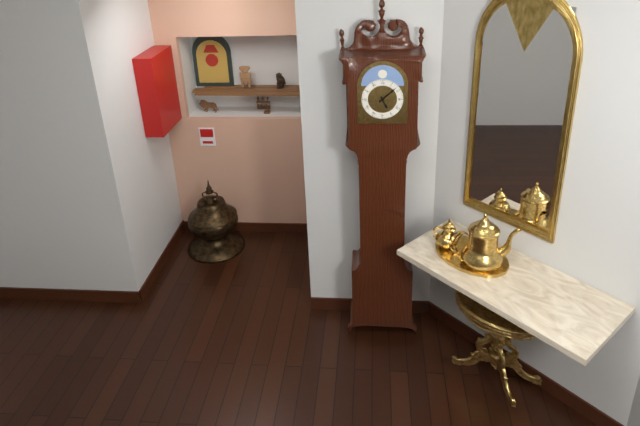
5h08
